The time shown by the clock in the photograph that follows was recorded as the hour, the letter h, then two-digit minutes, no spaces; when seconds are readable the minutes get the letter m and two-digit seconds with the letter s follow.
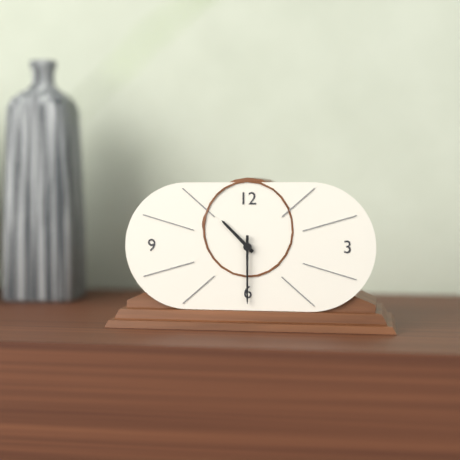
10h30
